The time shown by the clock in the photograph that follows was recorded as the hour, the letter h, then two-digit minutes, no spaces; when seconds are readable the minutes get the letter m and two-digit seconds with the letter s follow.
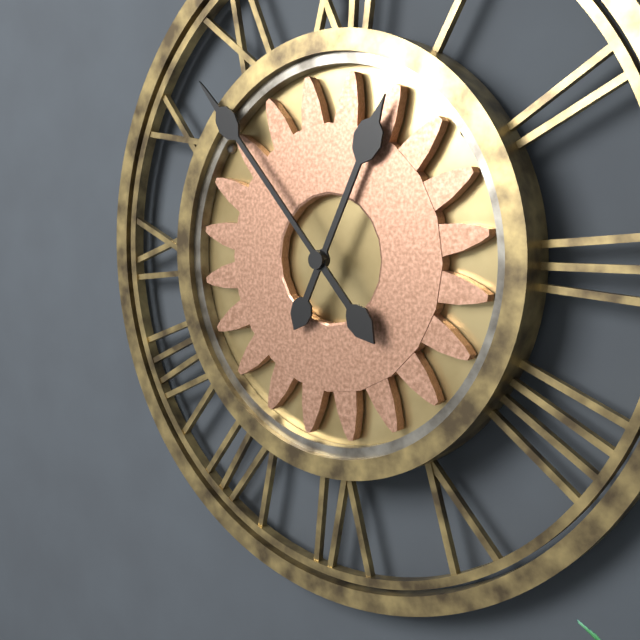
12h53
